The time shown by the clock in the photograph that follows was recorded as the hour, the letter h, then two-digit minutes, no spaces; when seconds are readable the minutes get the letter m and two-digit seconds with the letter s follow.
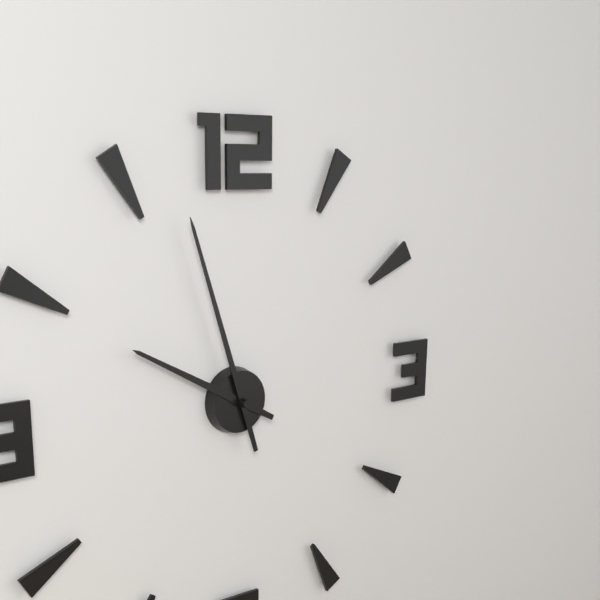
9h57
